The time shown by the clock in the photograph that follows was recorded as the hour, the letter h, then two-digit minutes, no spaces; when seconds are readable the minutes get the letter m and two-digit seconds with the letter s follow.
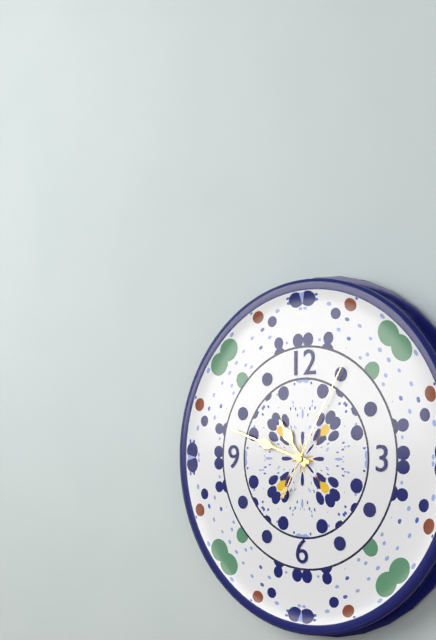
10h48m05s
